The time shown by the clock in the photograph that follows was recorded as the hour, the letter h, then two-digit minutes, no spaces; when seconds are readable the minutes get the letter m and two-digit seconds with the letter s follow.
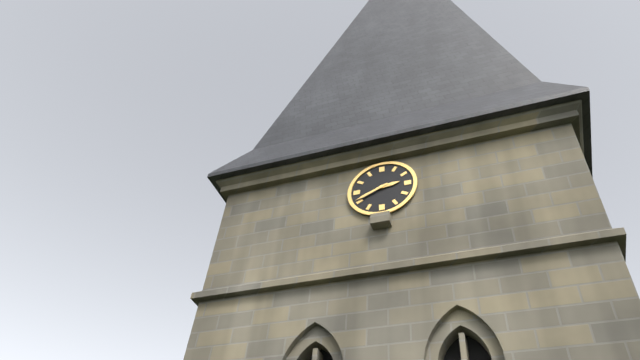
2h41
